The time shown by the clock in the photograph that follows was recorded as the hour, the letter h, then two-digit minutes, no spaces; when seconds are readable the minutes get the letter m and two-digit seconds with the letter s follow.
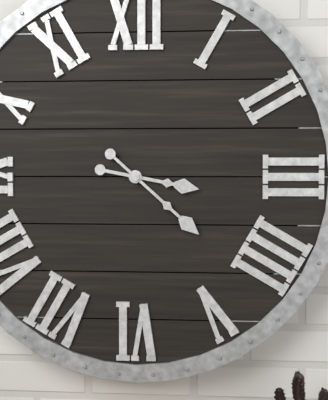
3h22
